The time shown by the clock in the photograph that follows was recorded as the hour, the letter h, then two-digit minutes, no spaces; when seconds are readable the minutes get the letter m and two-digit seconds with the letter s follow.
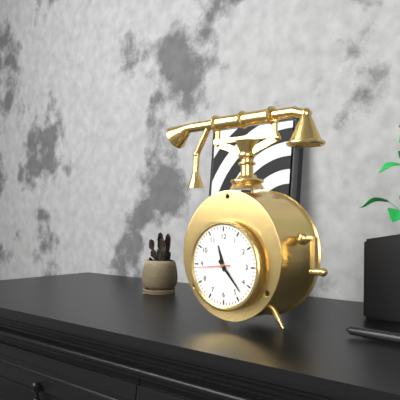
11h23
